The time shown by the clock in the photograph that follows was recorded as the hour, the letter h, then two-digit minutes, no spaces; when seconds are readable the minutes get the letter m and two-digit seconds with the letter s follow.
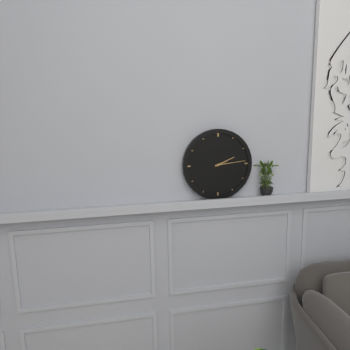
2h14
